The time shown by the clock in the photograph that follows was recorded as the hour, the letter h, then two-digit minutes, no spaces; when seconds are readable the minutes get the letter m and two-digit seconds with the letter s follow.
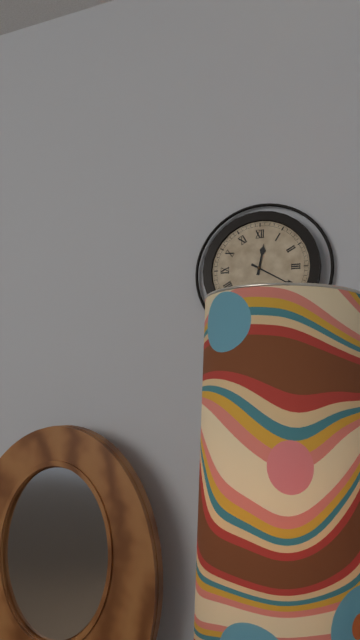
12h20
